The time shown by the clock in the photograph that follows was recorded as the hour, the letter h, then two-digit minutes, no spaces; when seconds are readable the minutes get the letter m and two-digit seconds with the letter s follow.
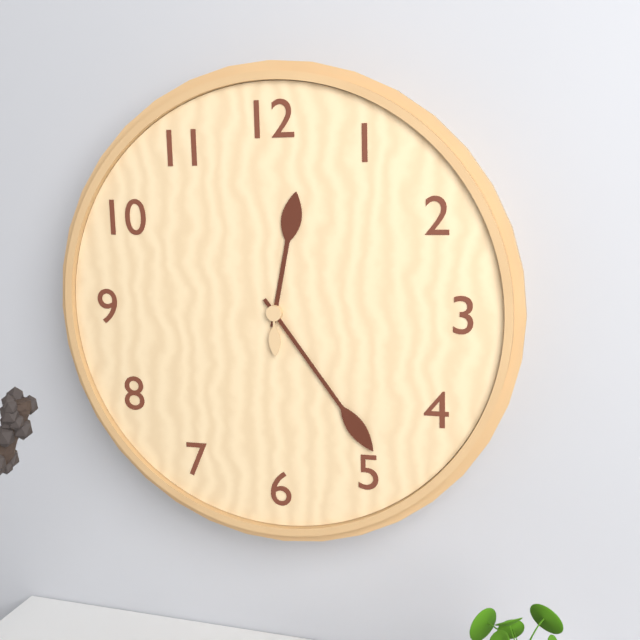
12h24m30s
